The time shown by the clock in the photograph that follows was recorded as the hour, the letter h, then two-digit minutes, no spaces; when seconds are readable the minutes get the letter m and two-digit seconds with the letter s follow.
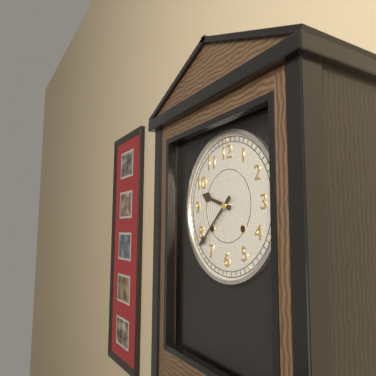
9h38
